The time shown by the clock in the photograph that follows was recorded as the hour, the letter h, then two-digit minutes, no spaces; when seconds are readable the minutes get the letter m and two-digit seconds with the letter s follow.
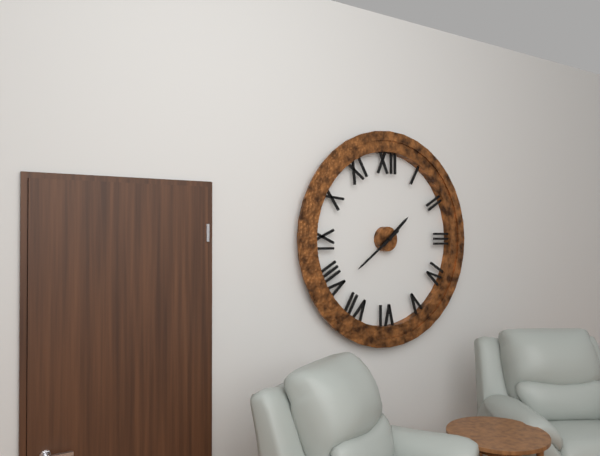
1h39
